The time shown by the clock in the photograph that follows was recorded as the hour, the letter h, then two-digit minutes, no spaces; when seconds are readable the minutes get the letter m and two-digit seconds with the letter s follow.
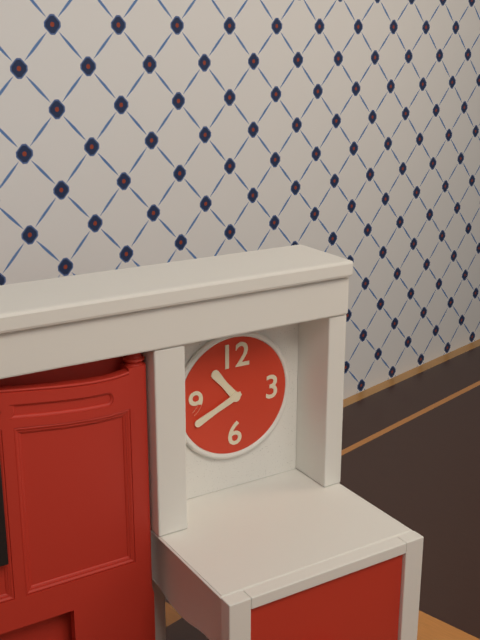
10h41
